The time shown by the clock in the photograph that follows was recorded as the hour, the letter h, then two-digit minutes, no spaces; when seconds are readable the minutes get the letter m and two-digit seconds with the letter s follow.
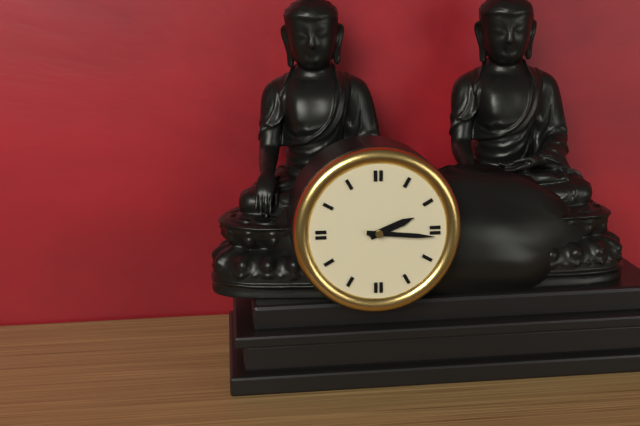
2h16
